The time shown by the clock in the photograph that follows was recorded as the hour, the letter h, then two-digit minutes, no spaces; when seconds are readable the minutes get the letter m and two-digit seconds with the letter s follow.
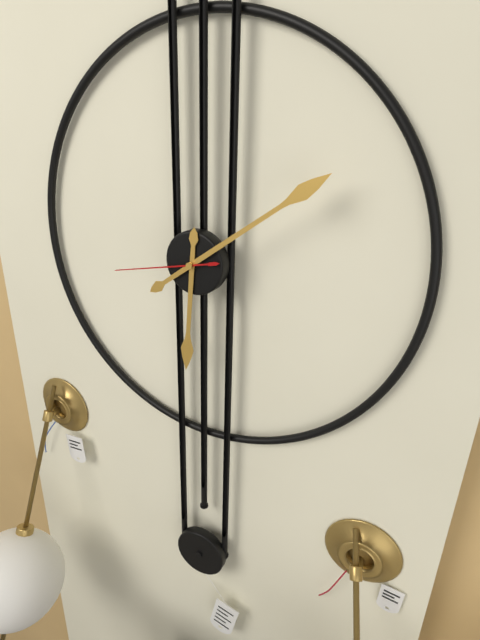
6h09m43s
